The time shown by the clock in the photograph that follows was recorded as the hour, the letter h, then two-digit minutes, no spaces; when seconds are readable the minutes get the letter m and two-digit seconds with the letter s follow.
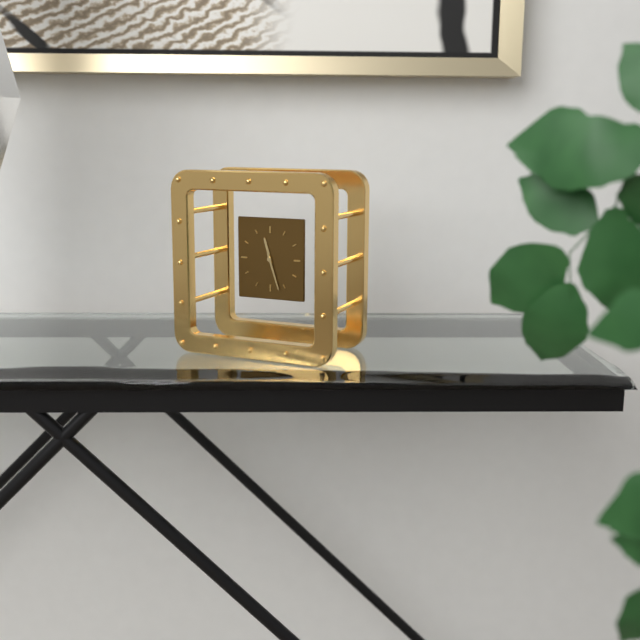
11h27
